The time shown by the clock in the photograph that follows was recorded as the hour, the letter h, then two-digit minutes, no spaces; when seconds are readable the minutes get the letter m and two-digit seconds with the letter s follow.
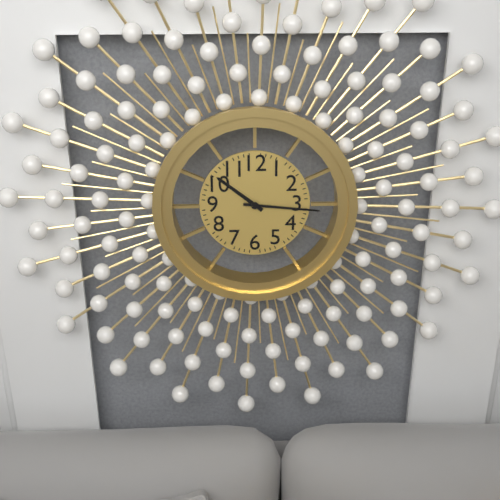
10h16
